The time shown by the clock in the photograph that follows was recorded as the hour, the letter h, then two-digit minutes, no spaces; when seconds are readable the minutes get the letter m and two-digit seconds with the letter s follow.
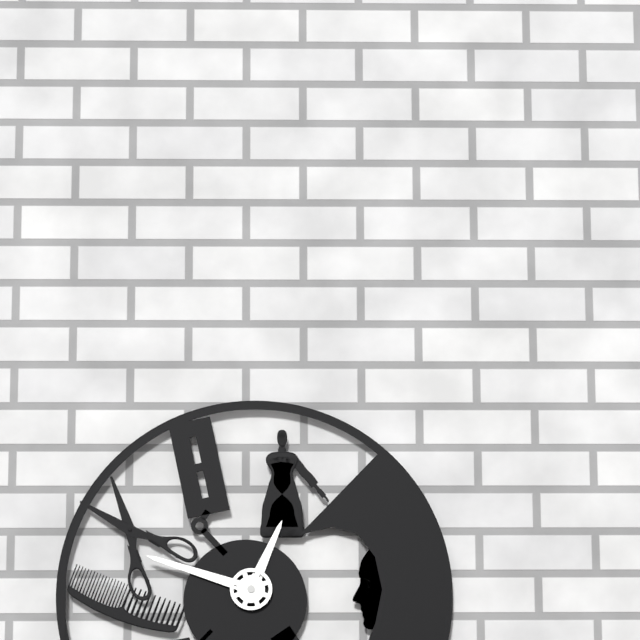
12h48
